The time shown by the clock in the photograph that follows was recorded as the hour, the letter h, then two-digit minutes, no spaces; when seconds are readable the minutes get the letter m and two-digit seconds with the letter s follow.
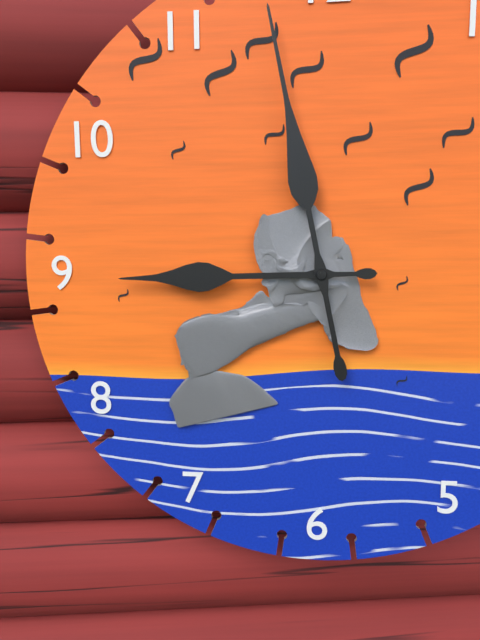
8h58
